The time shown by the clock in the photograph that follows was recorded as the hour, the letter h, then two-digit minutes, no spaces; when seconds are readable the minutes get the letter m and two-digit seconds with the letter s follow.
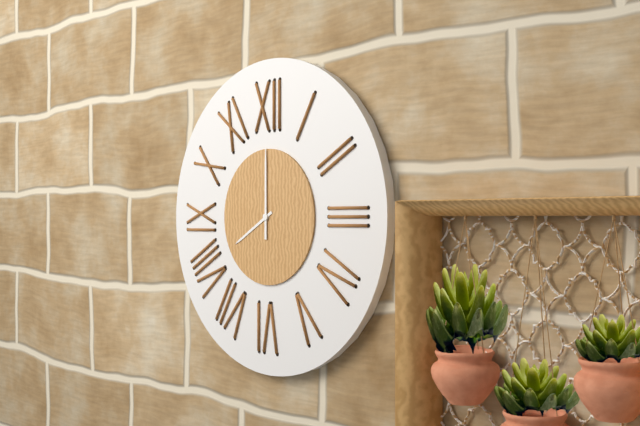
8h00
